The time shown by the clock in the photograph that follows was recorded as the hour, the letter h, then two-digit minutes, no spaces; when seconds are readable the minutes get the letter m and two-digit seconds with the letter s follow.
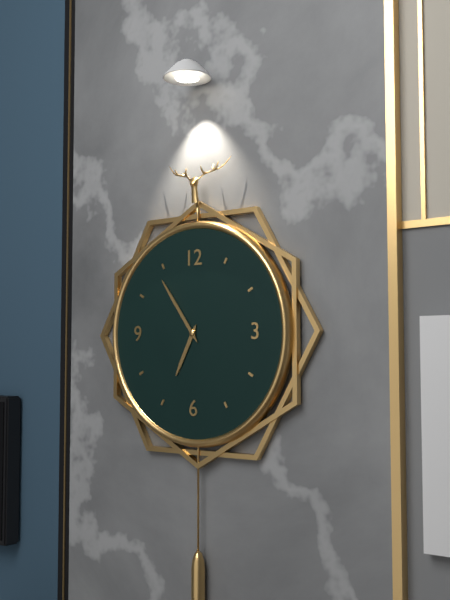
6h54
